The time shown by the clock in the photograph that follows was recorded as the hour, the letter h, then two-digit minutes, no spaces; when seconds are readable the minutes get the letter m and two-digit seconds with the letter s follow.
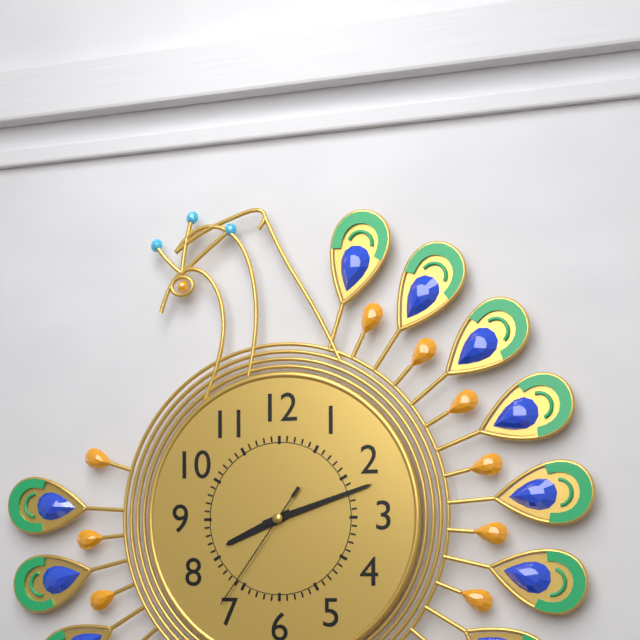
8h12m36s
